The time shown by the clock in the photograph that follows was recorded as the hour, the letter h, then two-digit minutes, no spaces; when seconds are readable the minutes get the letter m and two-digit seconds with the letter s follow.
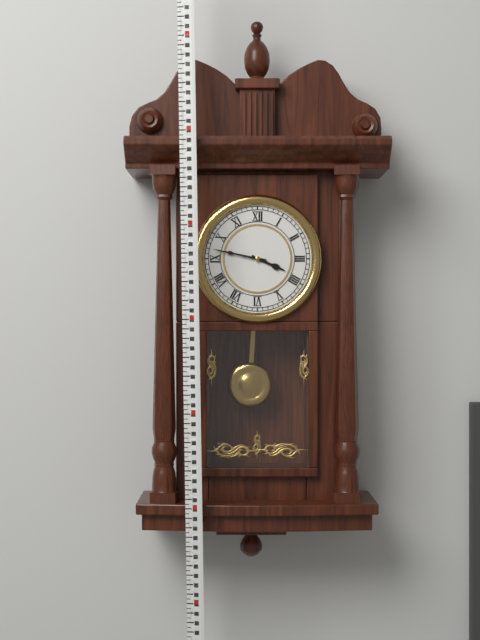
3h47
